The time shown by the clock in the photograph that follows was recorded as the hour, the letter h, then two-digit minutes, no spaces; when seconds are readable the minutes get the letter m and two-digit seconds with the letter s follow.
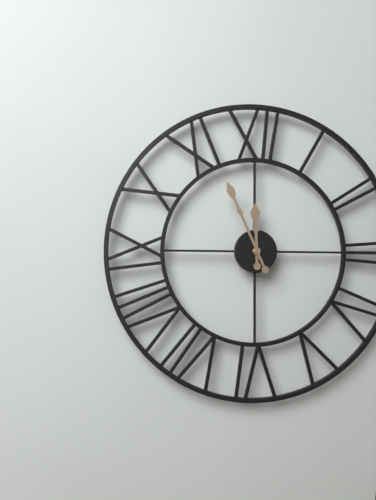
11h56
